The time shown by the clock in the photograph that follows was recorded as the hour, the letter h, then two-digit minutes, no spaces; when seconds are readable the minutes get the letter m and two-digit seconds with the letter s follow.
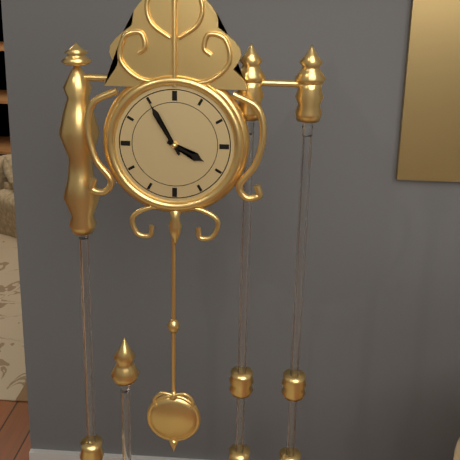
3h55
